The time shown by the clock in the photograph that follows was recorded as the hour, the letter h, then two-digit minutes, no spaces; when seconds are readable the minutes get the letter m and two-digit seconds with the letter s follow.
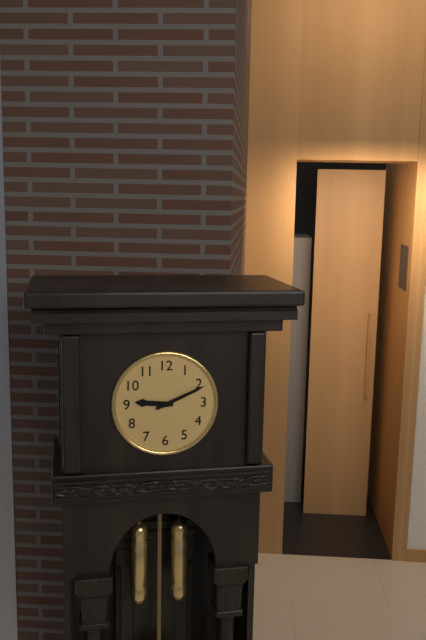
9h11
